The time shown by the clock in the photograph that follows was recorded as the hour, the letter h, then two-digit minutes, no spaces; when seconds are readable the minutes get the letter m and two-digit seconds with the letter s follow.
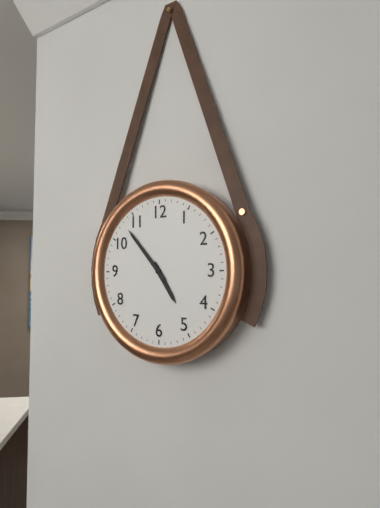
4h53
